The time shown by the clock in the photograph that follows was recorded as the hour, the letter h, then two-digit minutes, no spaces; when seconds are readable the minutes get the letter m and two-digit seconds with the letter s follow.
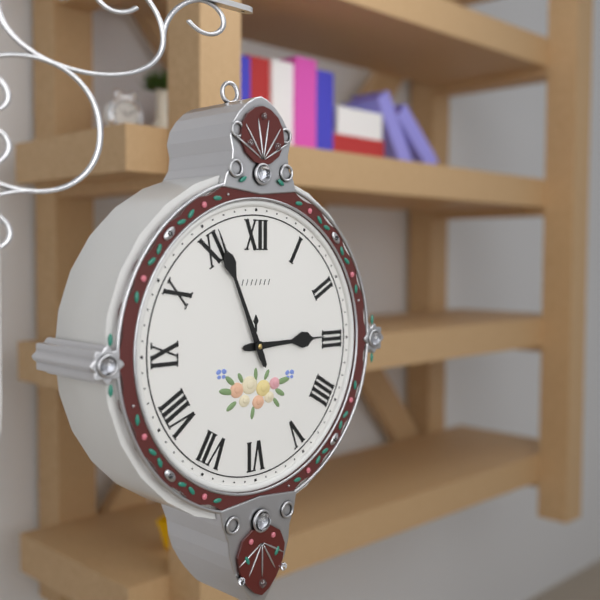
2h56
